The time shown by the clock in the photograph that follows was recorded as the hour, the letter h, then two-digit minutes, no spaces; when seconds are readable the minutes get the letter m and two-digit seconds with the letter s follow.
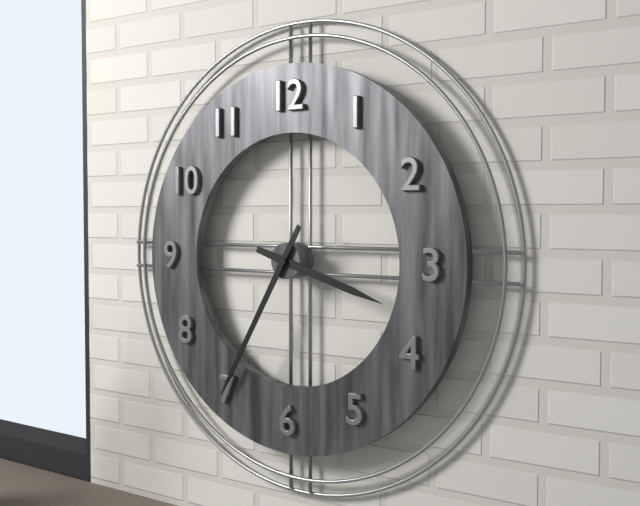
3h35
